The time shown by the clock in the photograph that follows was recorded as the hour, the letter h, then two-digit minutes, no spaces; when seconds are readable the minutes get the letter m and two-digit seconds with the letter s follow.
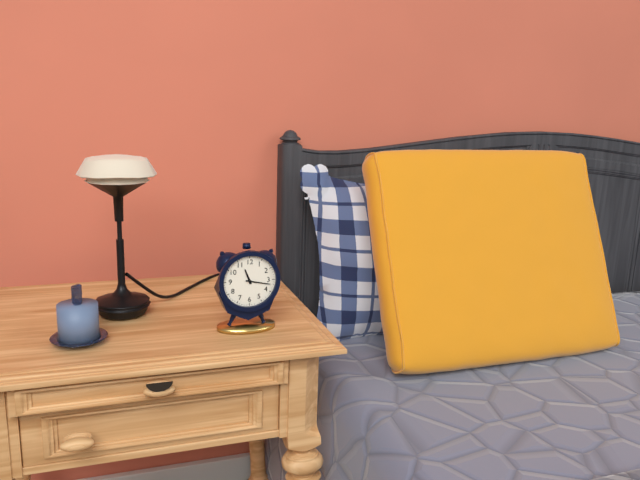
11h17
